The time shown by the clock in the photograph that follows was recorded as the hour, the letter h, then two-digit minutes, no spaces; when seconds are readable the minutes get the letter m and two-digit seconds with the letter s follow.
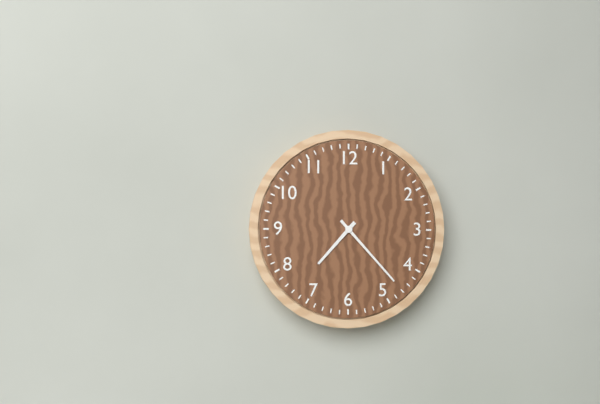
7h23
